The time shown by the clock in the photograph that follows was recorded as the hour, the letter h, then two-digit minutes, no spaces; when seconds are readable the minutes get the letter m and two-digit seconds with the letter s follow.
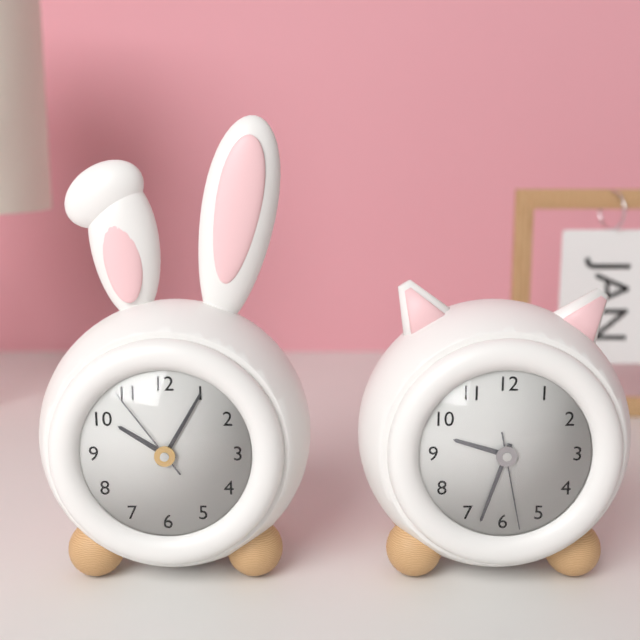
10h05m54s
